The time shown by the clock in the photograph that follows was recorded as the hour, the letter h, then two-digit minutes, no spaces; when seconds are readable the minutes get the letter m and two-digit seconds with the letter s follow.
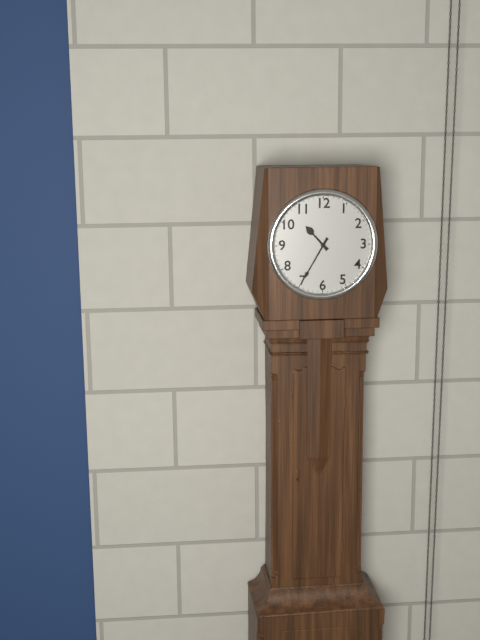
10h35
